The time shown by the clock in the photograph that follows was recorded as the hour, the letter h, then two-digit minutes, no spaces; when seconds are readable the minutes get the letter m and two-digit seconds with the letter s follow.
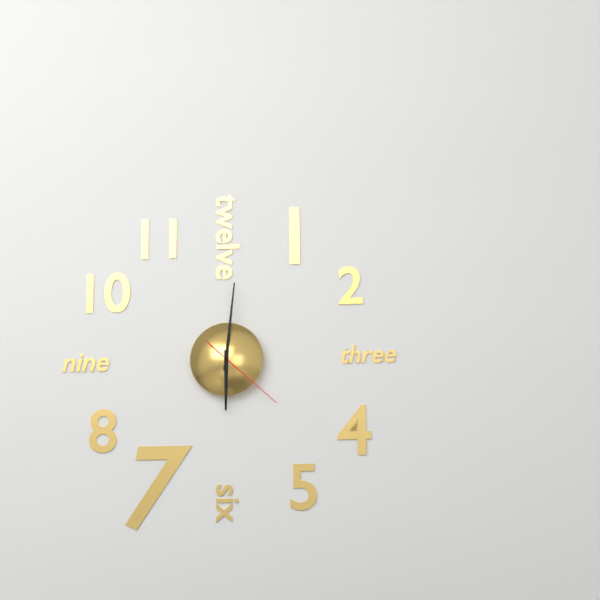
6h01m22s
